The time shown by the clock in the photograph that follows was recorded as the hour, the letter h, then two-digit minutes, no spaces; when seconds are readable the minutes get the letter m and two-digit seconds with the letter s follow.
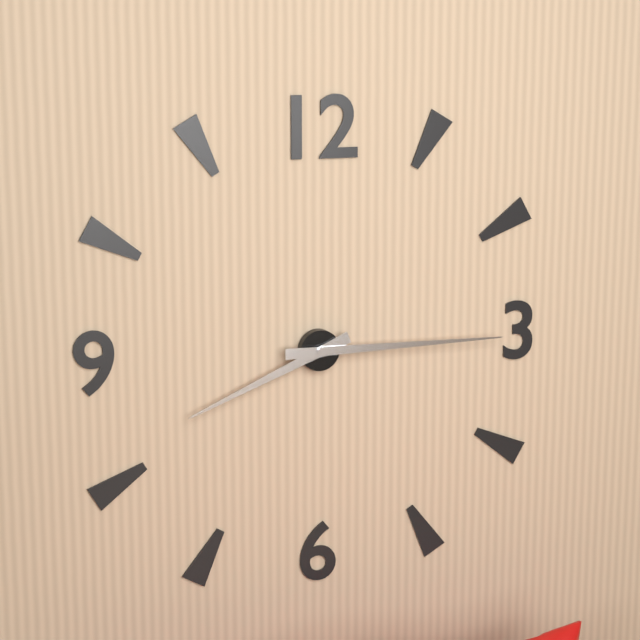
8h15
